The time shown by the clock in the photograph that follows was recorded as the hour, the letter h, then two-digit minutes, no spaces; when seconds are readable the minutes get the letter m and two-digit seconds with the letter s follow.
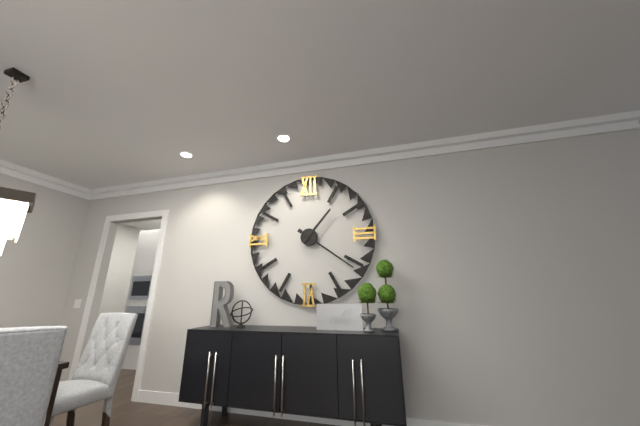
1h21
